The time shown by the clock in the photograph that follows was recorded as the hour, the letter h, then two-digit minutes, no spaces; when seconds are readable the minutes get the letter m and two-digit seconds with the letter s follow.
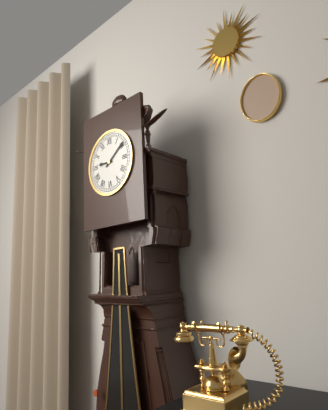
9h09
